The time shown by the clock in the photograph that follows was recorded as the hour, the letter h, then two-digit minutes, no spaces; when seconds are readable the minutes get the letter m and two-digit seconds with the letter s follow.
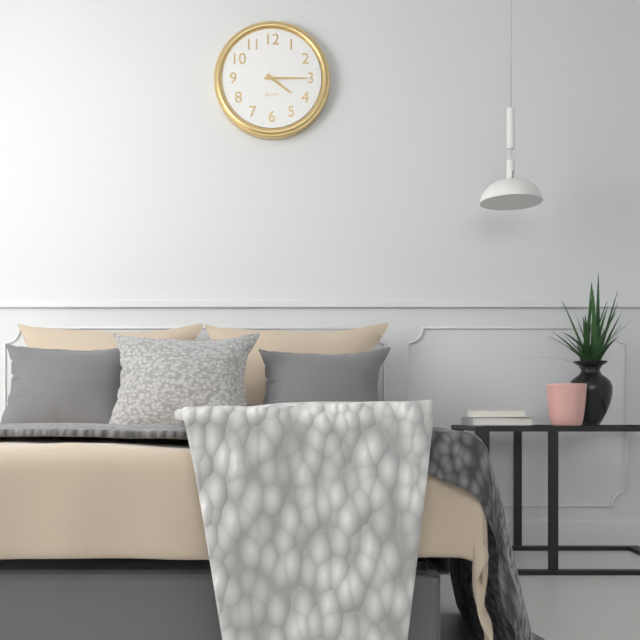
4h15
